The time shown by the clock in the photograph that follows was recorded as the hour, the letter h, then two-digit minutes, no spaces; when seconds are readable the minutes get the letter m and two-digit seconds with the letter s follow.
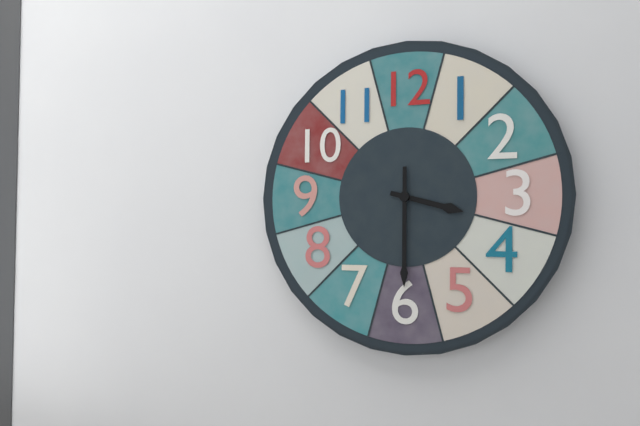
3h30
